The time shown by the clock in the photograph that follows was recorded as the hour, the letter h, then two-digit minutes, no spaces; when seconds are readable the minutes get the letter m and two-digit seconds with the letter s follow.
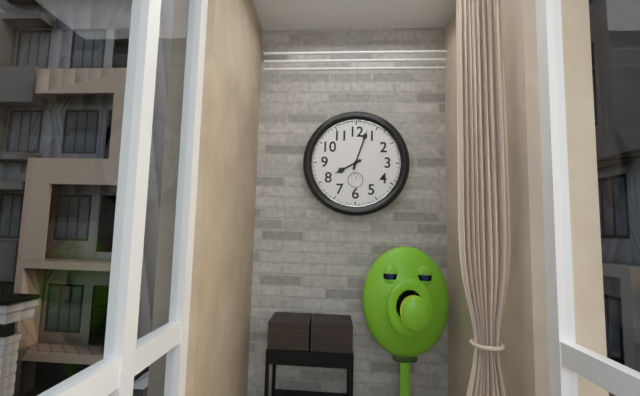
8h03
